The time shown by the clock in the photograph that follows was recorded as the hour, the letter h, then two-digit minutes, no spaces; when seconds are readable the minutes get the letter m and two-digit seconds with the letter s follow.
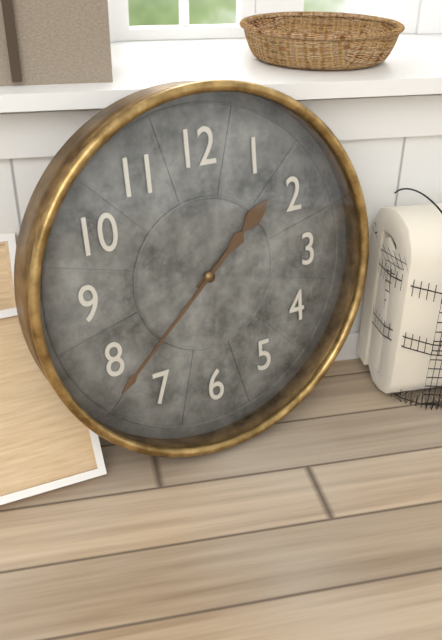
1h38
